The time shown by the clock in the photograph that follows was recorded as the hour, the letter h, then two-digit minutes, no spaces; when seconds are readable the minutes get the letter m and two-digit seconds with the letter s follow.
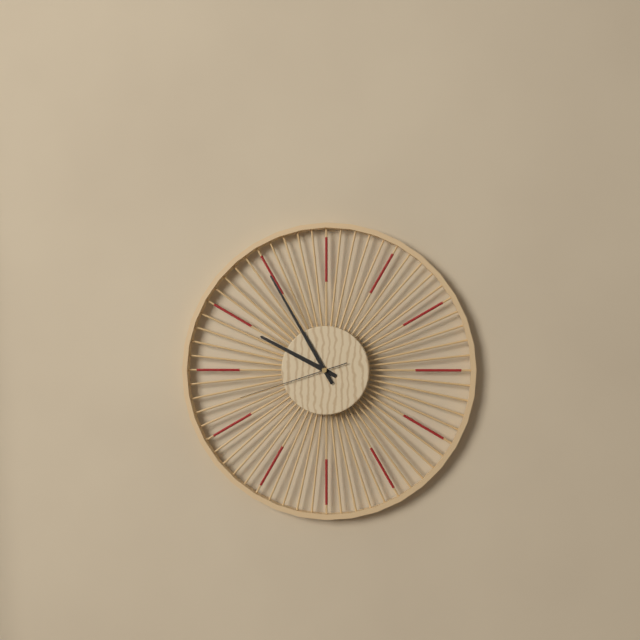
9h55m42s
